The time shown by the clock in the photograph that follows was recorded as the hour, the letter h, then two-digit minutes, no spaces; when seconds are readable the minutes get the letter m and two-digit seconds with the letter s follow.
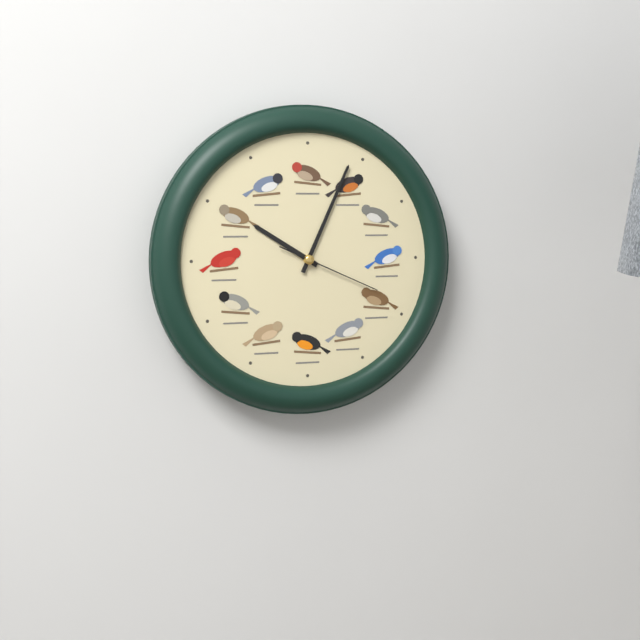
10h04m19s
